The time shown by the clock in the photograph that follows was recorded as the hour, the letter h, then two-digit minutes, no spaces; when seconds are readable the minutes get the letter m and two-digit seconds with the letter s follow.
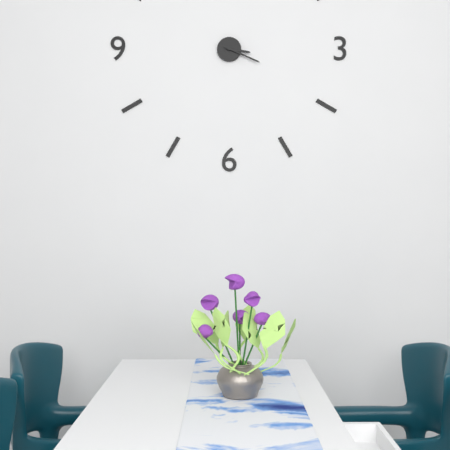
3h19
